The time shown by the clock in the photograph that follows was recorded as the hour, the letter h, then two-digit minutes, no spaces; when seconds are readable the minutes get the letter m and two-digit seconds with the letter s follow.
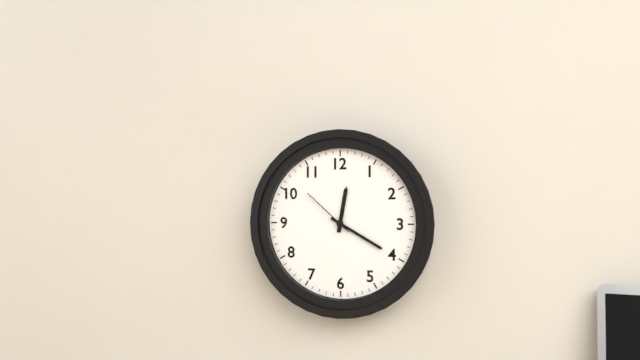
12h20m52s
